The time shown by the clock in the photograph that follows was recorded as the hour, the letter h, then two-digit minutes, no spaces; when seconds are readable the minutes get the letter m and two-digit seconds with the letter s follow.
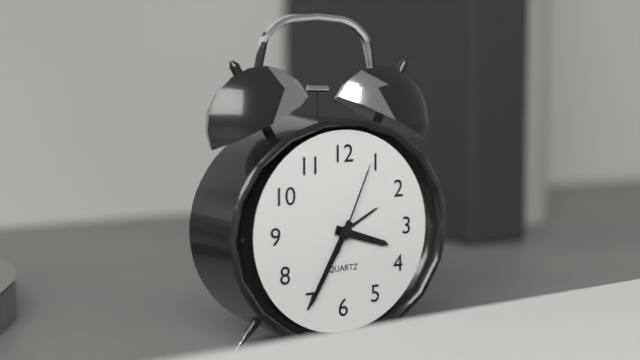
3h35m04s
